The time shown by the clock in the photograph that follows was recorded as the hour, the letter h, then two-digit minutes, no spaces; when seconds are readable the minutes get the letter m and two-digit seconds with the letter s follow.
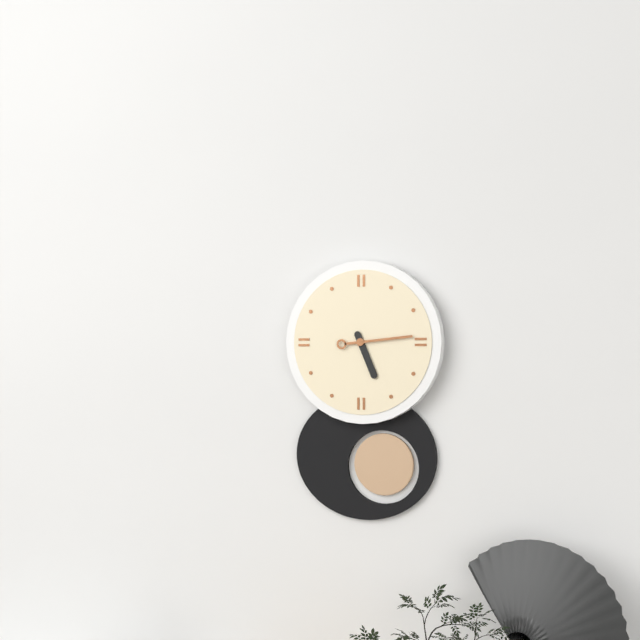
5h14
